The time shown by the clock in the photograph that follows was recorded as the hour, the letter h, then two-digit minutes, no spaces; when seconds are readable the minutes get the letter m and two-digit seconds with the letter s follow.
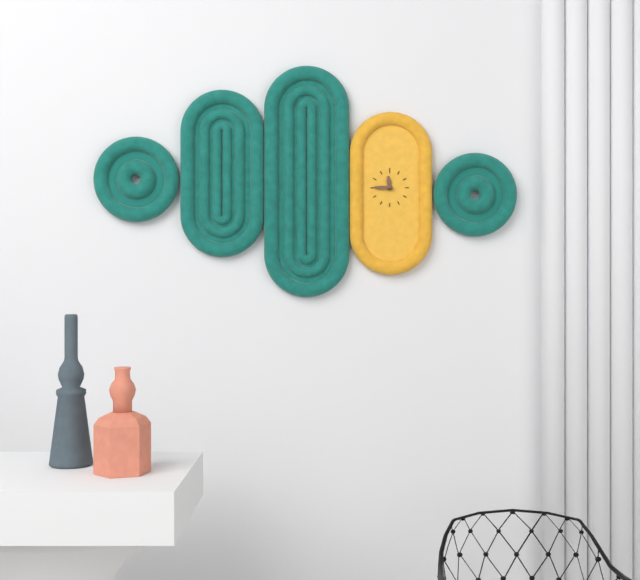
11h45
